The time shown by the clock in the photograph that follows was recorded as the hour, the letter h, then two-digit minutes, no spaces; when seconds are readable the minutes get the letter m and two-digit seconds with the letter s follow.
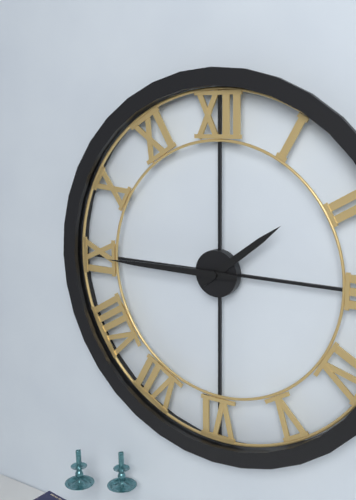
1h45
